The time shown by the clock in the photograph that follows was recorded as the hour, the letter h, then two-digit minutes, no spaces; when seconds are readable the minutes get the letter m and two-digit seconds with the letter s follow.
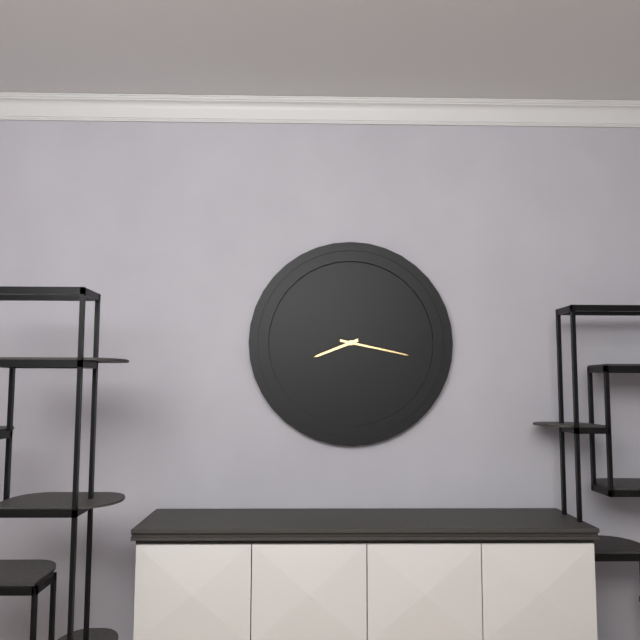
8h17
